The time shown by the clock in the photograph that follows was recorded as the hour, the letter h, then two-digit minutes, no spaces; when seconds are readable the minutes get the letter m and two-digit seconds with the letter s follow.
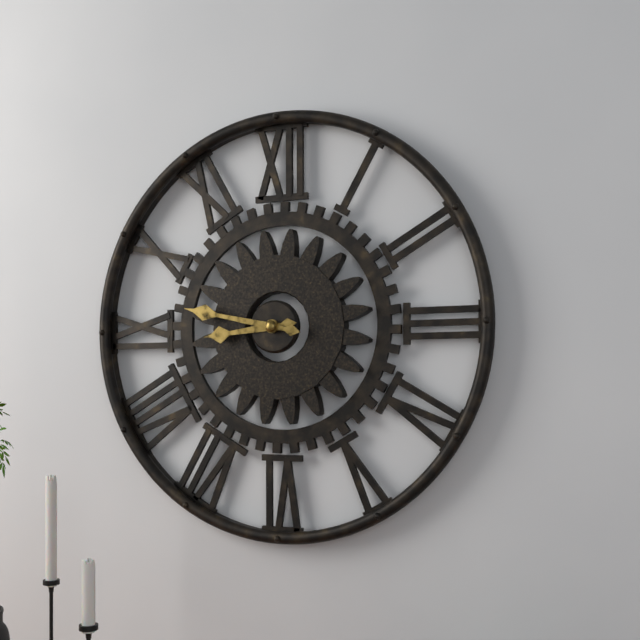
8h47
